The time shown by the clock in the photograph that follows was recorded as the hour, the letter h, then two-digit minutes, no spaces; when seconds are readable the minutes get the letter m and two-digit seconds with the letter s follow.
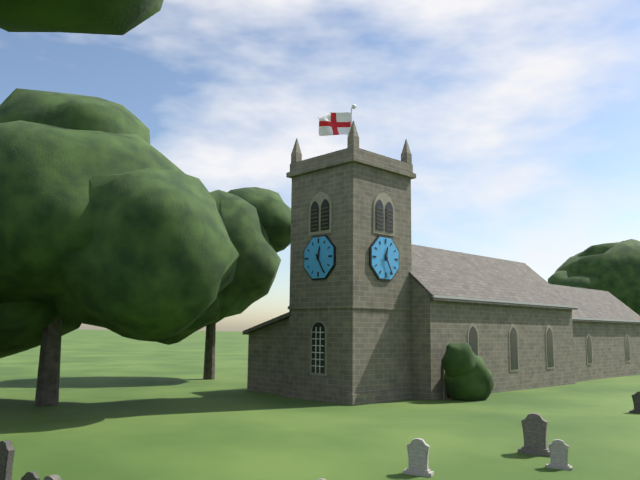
12h25
